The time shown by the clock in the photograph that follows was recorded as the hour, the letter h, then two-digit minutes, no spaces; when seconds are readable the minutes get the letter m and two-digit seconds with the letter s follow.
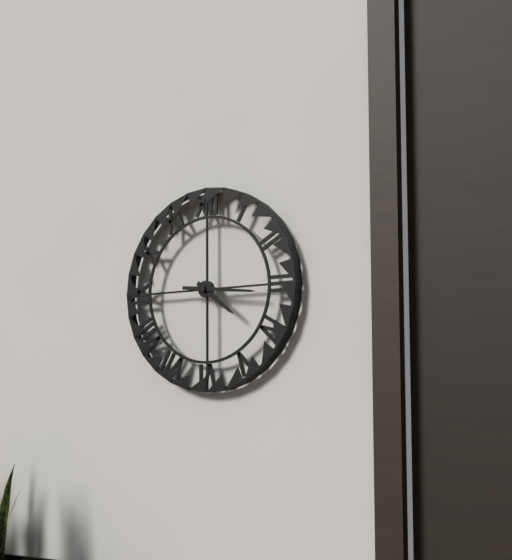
4h16
